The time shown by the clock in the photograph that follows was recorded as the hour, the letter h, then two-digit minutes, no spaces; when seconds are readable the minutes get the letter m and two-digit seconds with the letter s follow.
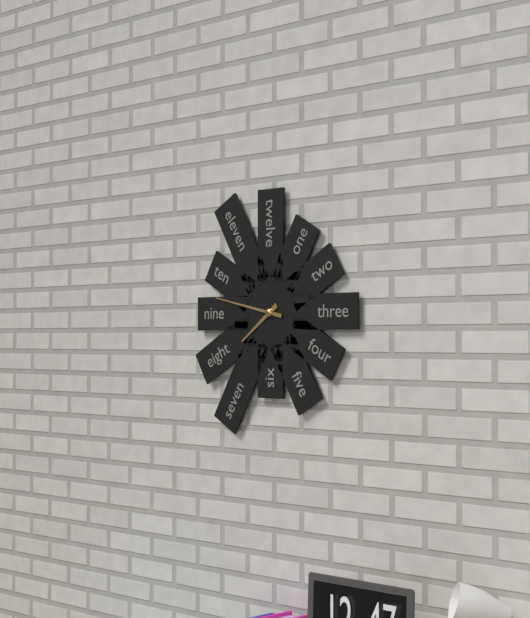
7h47
